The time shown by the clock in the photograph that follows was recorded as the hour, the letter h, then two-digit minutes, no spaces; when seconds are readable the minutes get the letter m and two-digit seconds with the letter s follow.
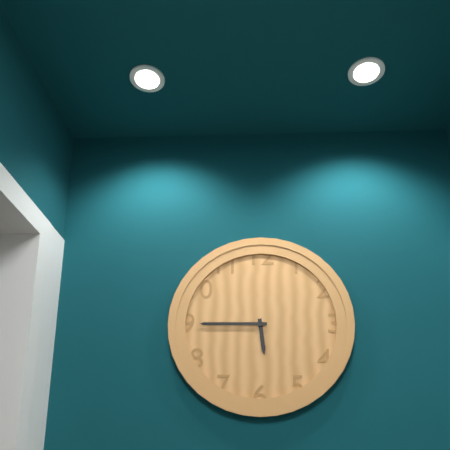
5h45
